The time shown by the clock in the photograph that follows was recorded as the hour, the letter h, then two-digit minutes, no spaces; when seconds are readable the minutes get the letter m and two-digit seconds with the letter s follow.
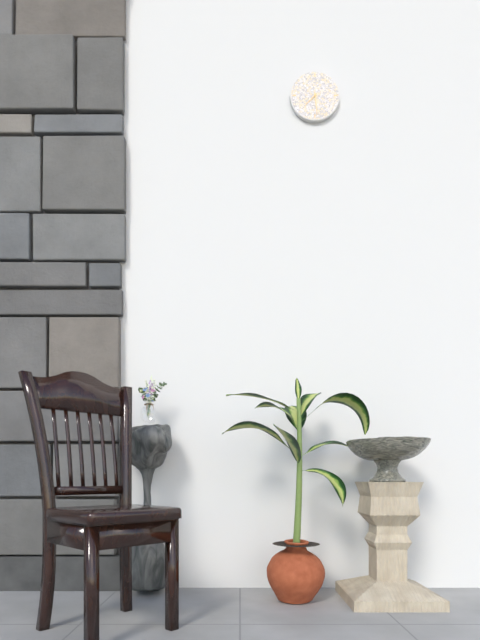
7h29
